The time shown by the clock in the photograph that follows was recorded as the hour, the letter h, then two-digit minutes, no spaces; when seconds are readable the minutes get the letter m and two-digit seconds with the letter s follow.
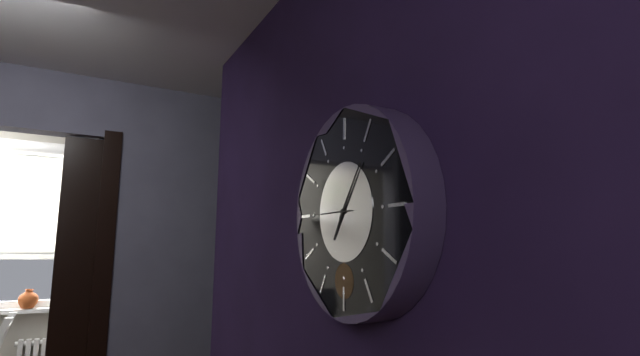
7h06m45s
